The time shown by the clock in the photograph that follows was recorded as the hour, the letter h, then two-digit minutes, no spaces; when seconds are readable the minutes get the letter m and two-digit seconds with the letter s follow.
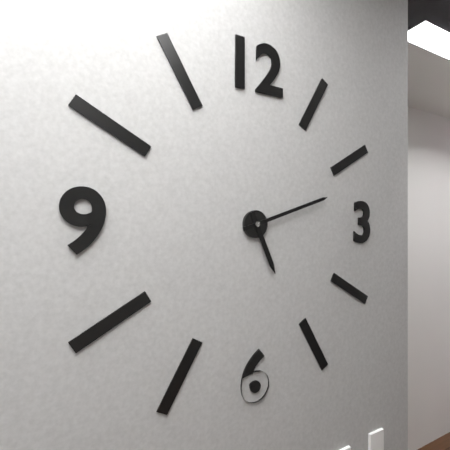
5h12
